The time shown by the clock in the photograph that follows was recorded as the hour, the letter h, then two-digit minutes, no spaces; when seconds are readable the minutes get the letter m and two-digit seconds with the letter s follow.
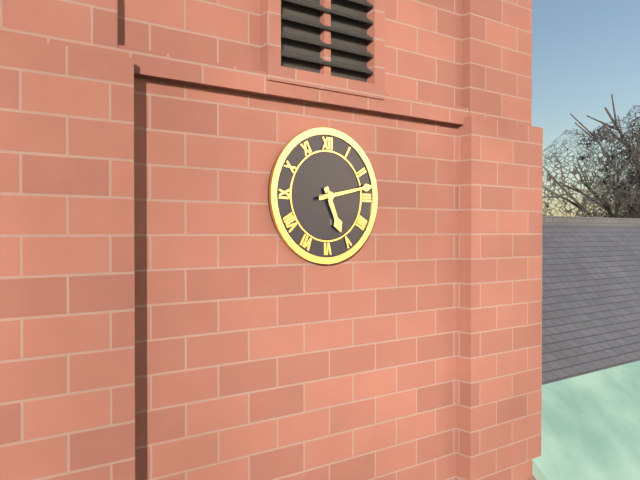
5h13
